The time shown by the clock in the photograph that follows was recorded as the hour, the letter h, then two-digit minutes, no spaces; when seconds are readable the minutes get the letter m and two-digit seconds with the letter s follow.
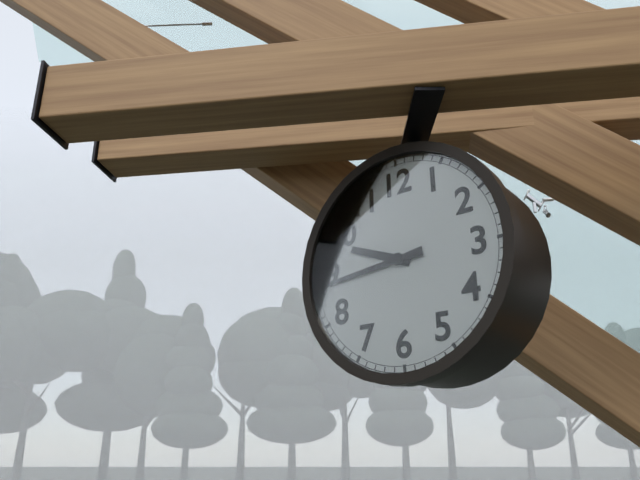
9h44
